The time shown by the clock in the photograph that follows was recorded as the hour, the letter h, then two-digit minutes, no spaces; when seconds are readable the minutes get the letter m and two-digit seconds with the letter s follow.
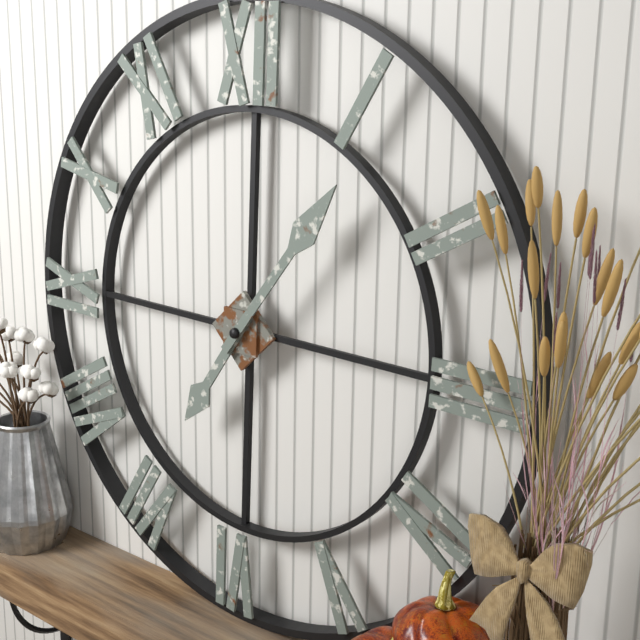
7h06
